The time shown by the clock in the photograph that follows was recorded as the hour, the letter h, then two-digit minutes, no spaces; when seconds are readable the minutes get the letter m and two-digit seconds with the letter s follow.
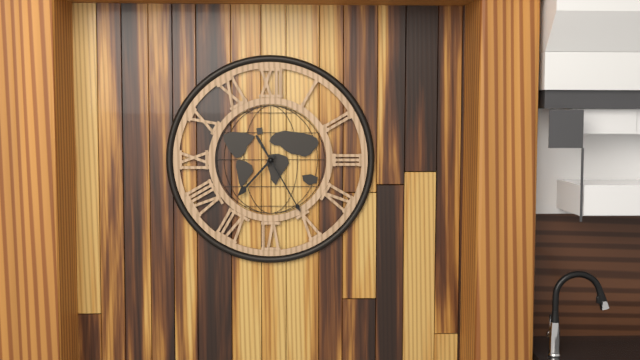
7h25
